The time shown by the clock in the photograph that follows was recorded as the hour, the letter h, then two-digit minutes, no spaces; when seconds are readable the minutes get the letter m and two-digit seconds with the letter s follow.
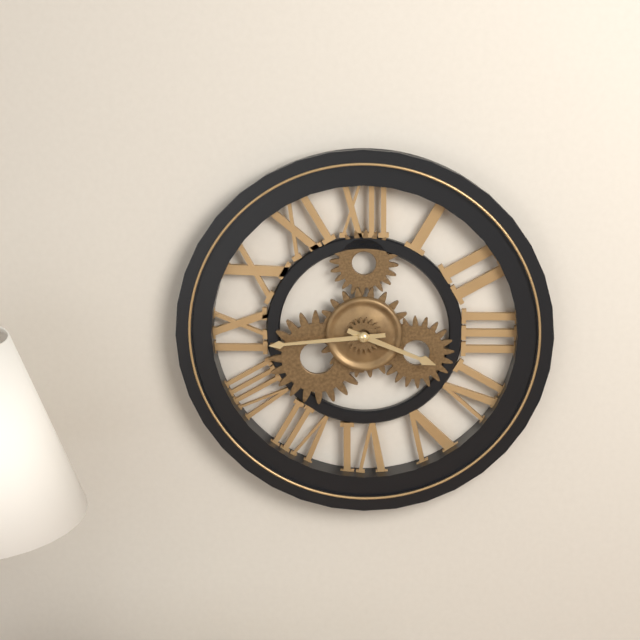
3h44
